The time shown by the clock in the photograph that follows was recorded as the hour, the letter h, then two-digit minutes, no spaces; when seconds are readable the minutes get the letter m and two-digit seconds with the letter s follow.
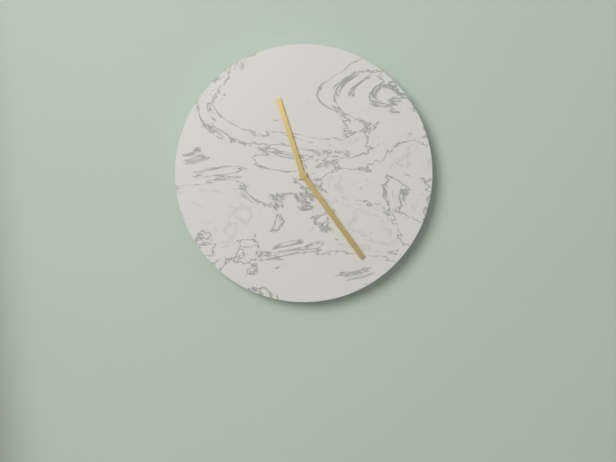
11h24
